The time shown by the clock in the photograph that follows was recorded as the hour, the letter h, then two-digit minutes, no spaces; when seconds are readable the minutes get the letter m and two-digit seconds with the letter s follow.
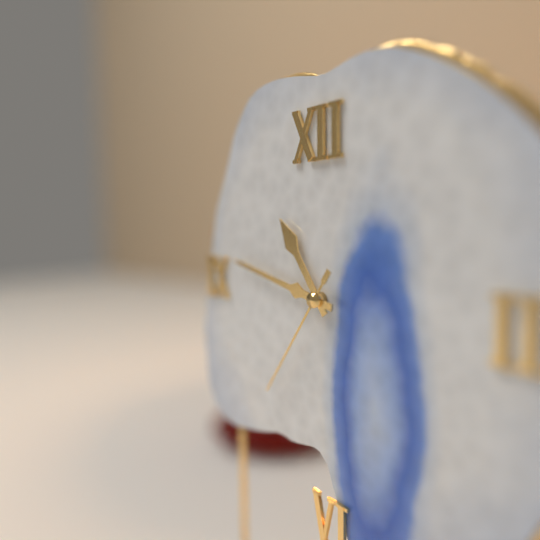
10h47m36s
